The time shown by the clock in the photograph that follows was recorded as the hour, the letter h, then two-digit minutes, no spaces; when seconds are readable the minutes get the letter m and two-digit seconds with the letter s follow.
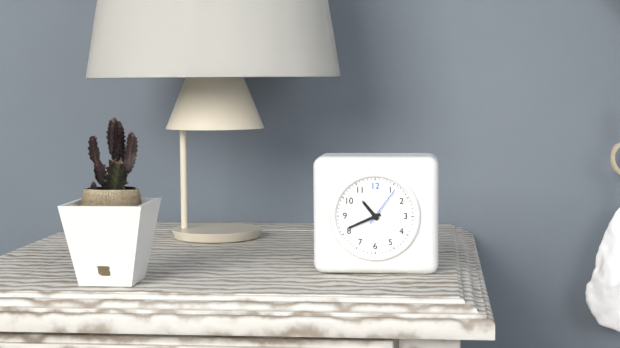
10h41
